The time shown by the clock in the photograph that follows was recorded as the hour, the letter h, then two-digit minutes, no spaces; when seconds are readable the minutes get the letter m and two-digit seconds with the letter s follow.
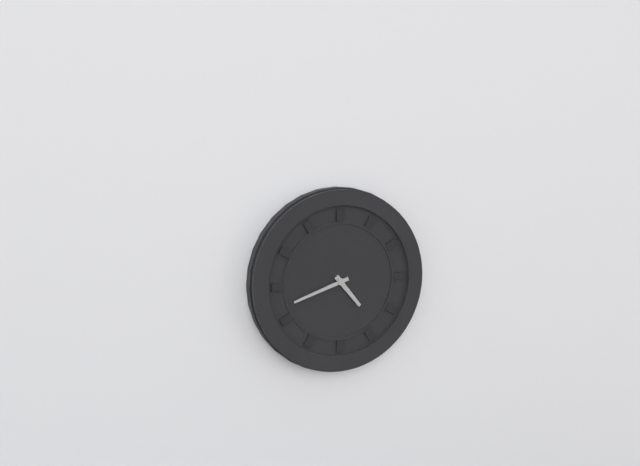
4h42
